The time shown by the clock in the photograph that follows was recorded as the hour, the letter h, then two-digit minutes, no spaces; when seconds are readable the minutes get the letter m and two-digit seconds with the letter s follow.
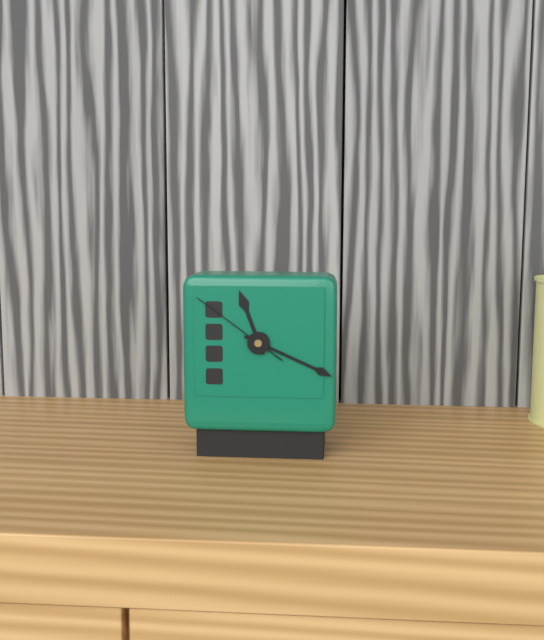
11h19m51s
